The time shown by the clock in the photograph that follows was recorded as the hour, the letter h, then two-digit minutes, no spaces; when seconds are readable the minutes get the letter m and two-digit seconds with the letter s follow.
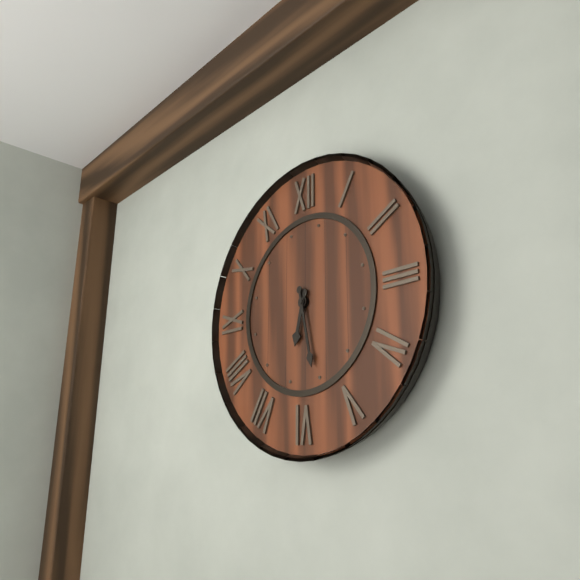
6h28
